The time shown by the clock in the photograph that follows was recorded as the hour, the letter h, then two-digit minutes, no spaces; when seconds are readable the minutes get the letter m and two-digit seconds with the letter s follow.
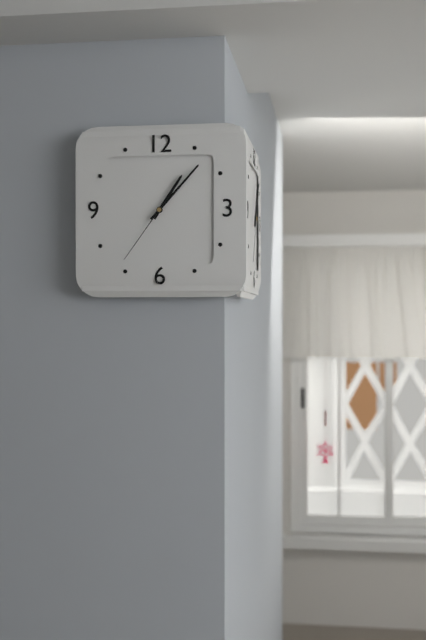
1h07m36s
